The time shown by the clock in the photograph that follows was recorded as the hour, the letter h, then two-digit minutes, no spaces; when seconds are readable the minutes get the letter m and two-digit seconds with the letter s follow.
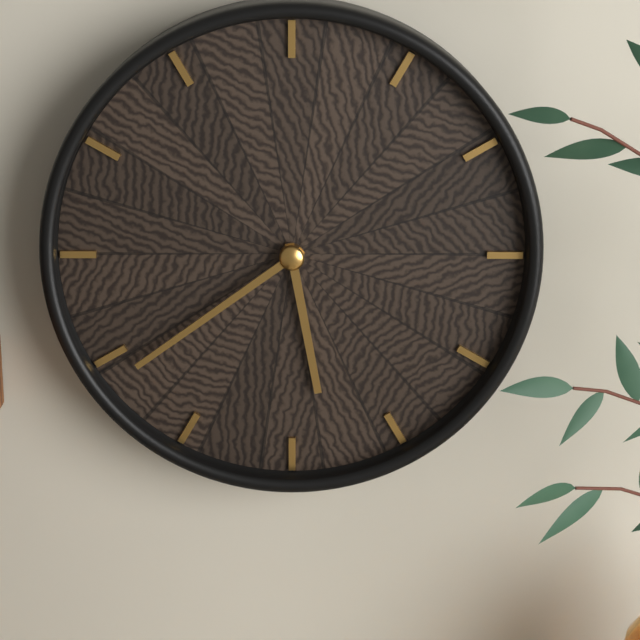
5h39
